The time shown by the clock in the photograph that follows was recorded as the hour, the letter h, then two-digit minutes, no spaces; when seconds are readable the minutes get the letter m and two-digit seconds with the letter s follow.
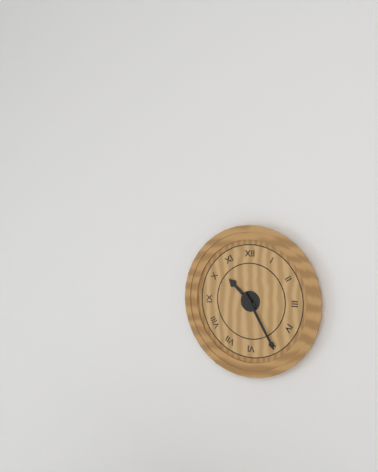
10h25
